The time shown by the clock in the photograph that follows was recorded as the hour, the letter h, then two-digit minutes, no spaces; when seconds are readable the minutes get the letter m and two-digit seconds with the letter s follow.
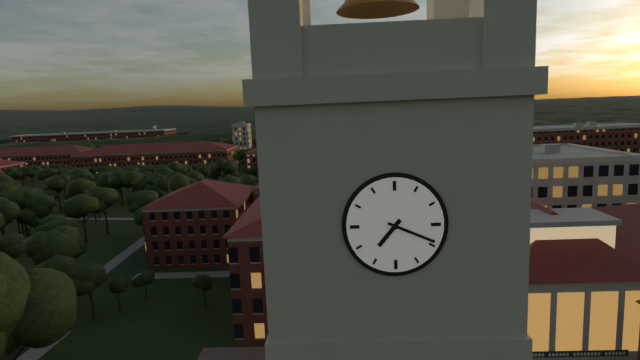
7h19
